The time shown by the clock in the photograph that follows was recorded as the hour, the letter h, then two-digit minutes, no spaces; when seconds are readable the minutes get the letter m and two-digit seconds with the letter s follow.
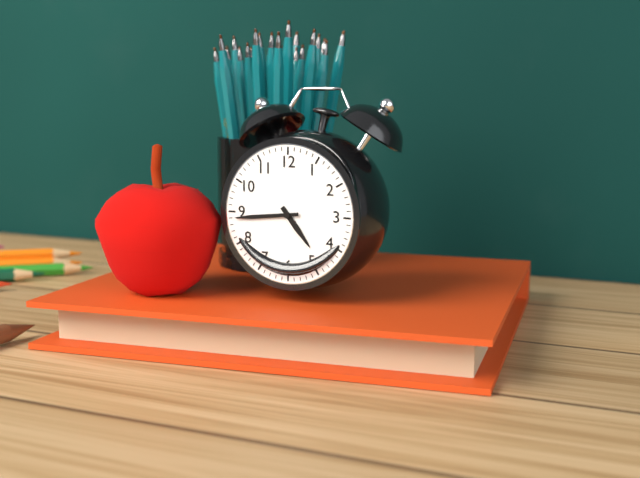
4h44
